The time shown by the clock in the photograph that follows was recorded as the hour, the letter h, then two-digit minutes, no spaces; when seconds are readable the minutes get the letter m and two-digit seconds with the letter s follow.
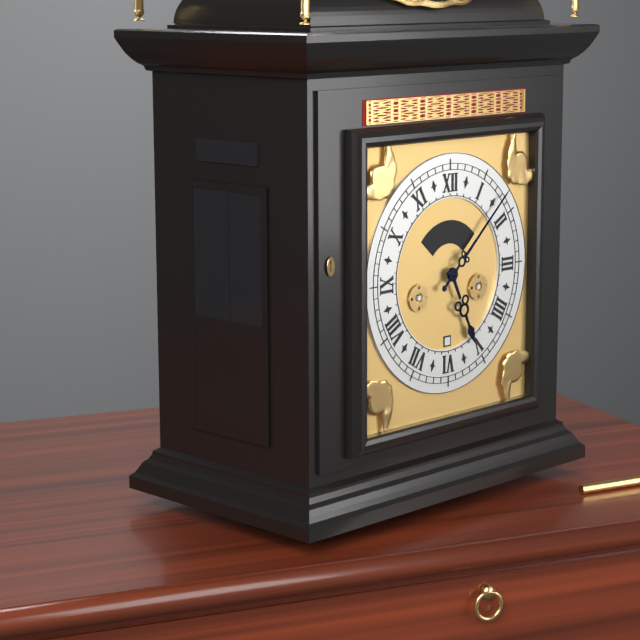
5h08
